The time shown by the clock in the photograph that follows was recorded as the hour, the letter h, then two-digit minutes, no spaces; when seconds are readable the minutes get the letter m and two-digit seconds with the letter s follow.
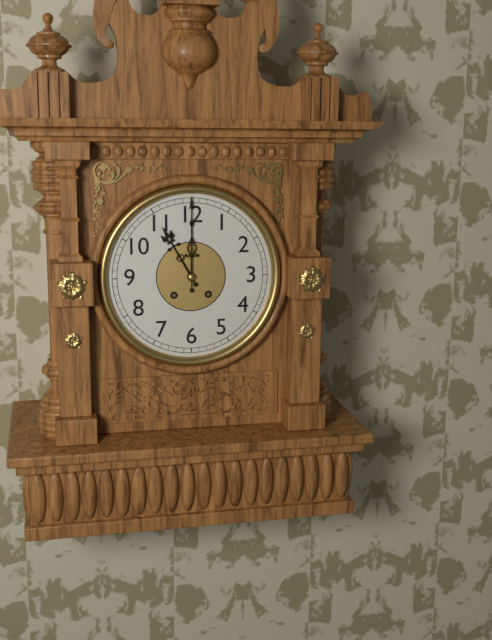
11h00
